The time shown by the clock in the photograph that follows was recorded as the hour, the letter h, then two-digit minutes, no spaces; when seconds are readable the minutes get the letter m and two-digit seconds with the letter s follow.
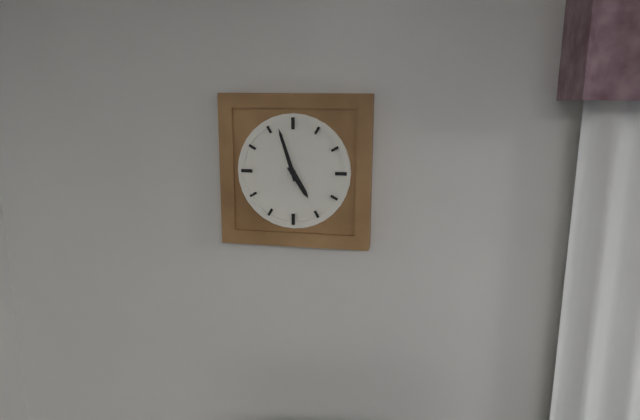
4h57
